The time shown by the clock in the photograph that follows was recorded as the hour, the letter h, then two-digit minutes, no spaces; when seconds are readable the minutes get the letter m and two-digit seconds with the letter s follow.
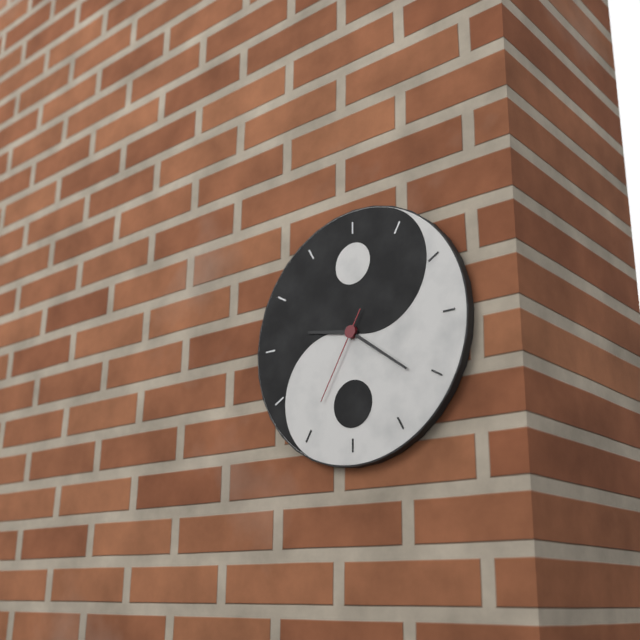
9h21m35s
